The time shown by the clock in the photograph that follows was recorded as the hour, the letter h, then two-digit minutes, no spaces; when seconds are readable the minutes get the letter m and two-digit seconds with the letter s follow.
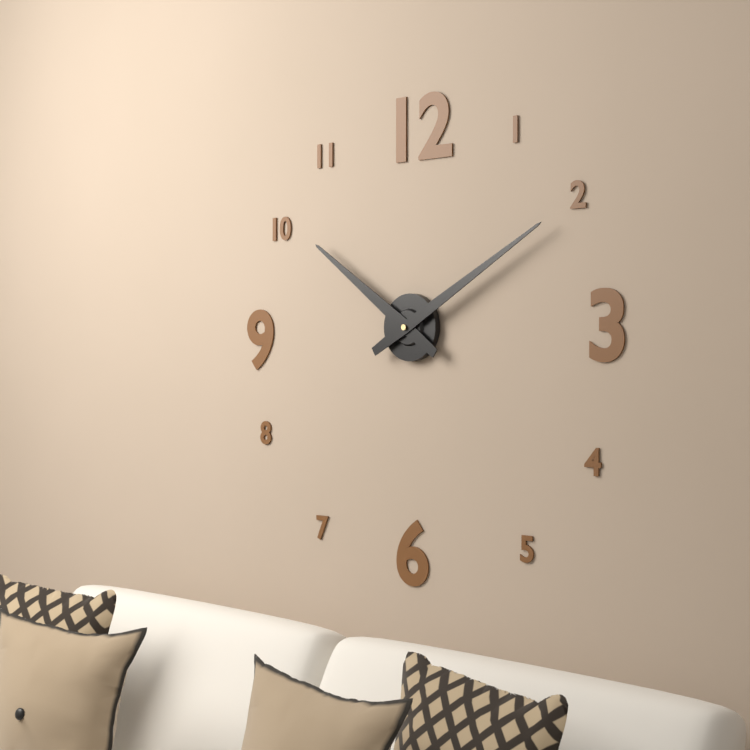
10h10
